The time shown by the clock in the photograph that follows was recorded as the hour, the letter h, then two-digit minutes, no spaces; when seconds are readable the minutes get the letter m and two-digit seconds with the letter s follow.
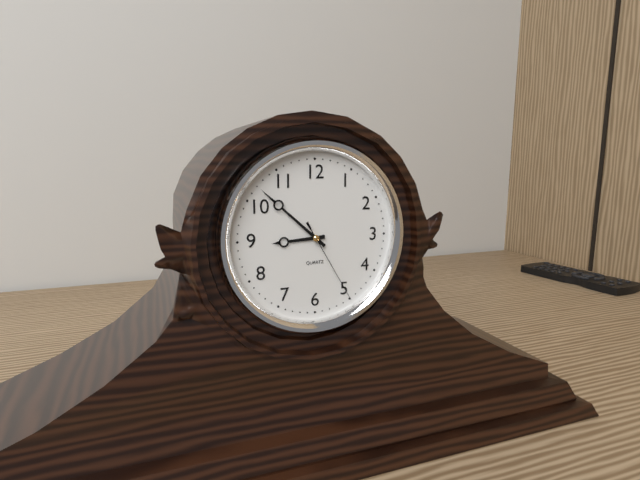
8h52m25s
